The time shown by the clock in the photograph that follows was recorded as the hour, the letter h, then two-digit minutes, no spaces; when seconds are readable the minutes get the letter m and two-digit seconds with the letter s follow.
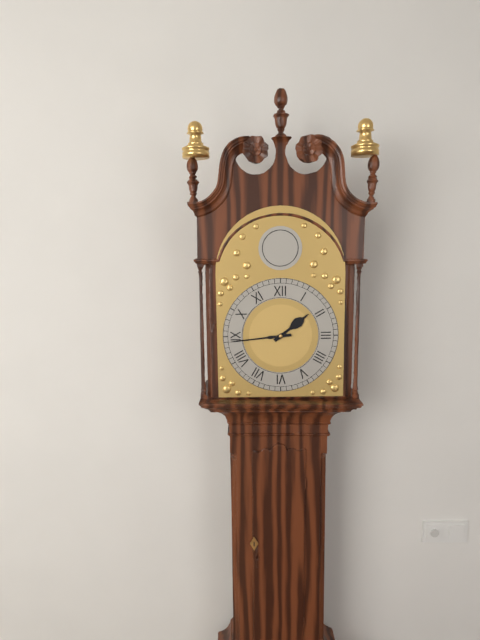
1h44
